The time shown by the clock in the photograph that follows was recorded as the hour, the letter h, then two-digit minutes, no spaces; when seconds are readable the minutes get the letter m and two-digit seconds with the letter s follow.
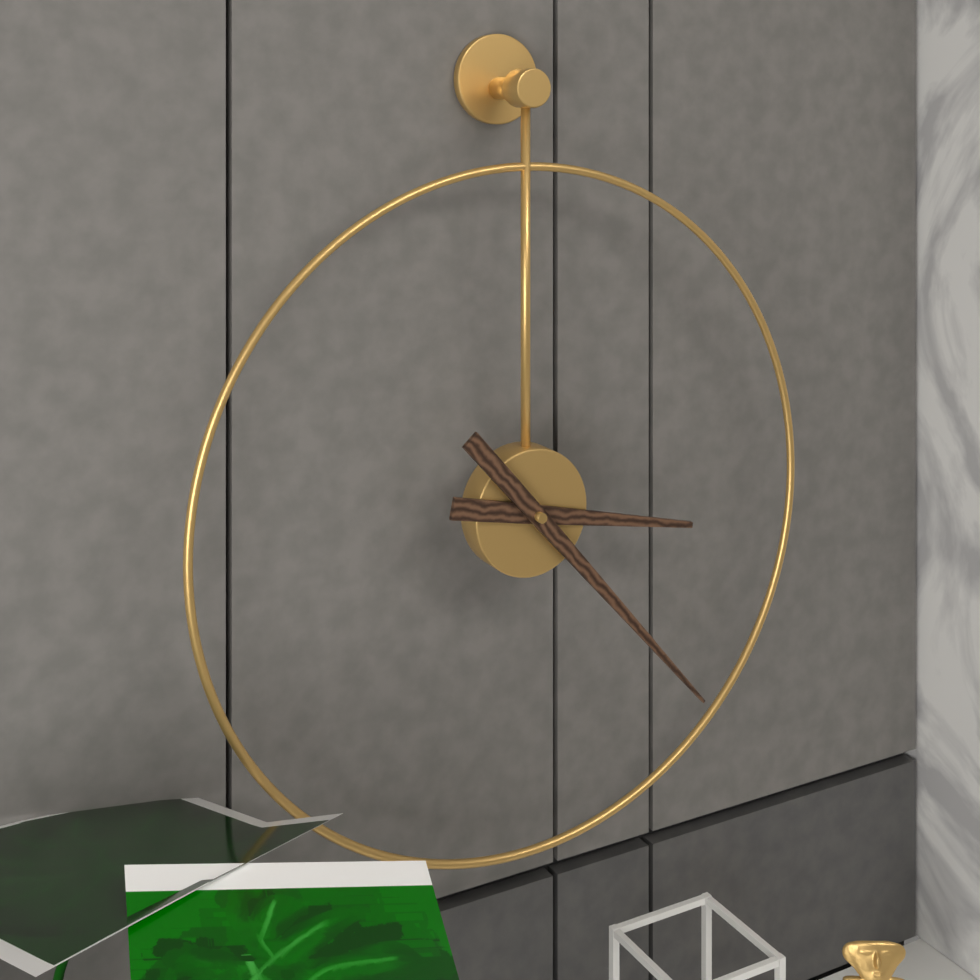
3h23
